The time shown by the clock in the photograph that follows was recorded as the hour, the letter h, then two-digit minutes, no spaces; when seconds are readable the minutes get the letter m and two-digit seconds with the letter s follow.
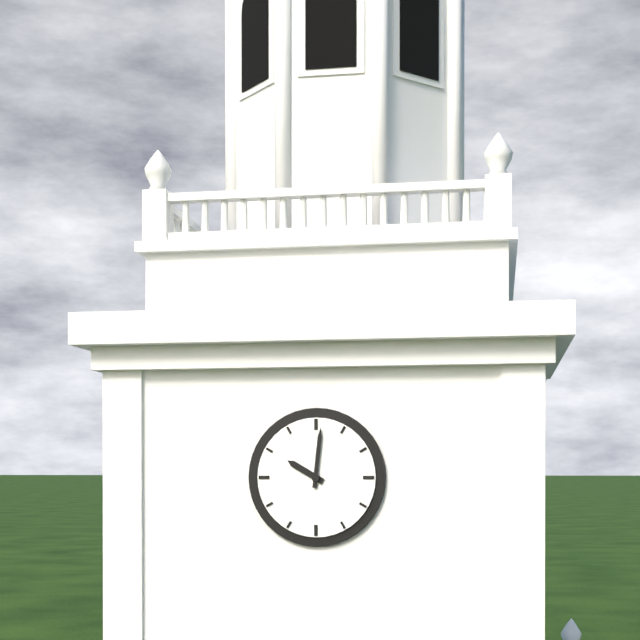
10h01
